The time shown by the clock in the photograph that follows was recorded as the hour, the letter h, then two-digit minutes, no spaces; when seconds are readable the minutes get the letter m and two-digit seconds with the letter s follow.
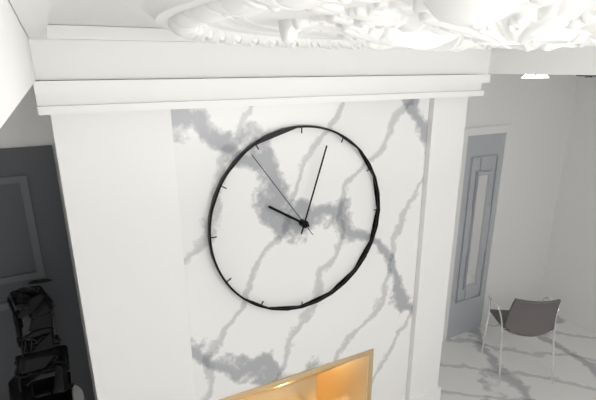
10h03m54s
